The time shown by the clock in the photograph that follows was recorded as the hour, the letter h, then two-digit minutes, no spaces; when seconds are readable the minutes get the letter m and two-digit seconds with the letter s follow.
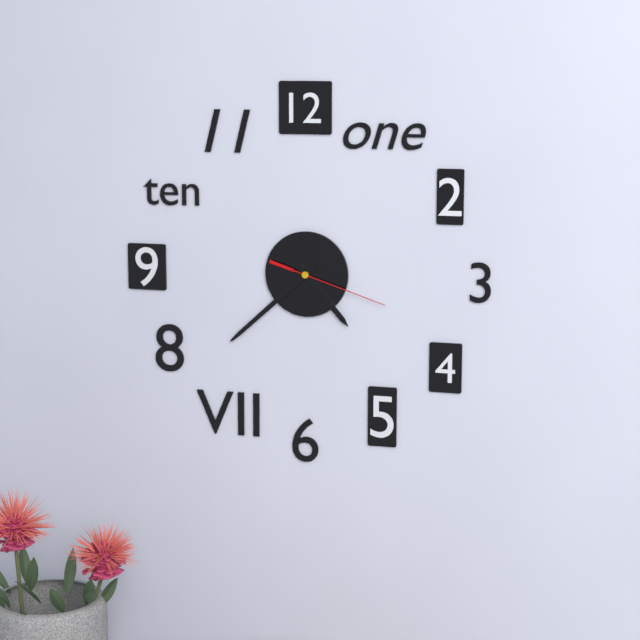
4h38m18s
